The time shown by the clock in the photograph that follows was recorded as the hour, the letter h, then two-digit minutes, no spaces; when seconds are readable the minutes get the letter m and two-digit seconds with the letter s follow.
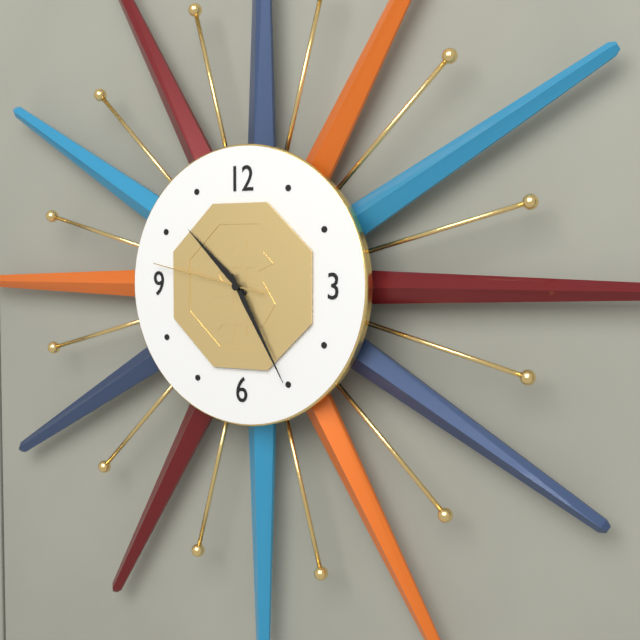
10h25m47s
